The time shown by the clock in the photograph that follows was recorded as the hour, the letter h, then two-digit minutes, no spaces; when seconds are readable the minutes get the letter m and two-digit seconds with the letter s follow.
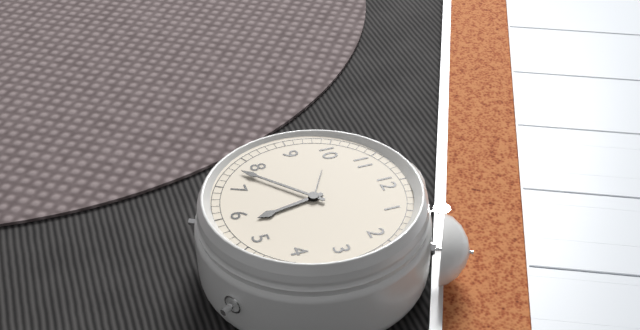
5h38
